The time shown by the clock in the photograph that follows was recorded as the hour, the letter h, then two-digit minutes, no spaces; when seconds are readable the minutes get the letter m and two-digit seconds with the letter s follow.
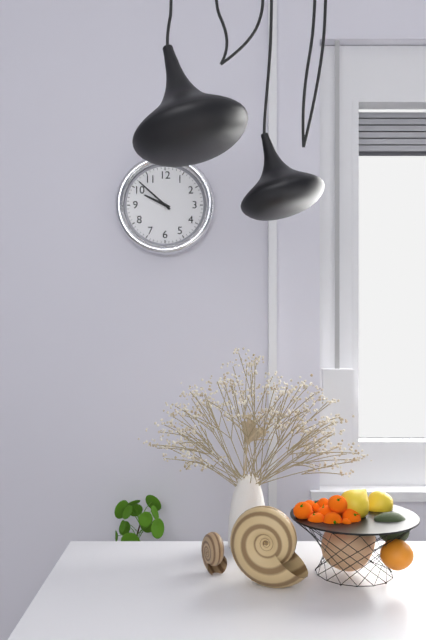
9h52
